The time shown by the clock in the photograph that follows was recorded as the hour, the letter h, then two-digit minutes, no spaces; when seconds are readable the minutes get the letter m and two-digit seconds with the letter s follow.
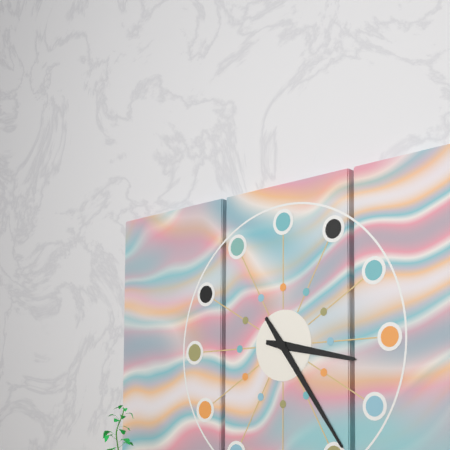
3h24
